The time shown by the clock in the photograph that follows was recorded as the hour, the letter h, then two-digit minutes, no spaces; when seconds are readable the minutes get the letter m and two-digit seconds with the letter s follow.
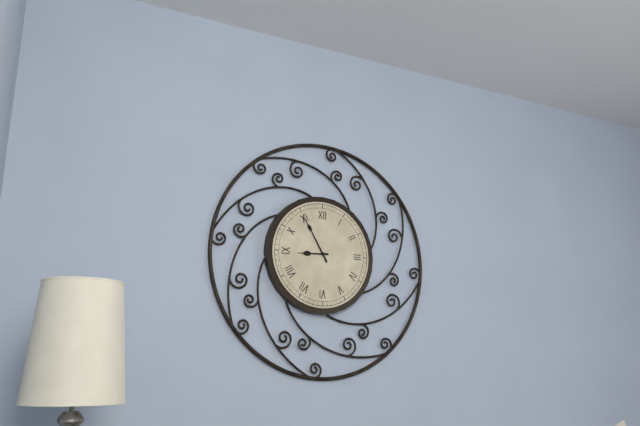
8h55
